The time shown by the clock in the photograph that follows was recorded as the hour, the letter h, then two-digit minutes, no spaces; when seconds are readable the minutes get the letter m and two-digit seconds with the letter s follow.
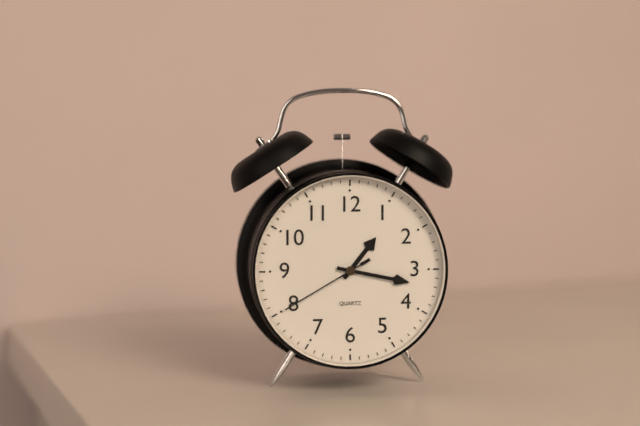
1h17m40s
